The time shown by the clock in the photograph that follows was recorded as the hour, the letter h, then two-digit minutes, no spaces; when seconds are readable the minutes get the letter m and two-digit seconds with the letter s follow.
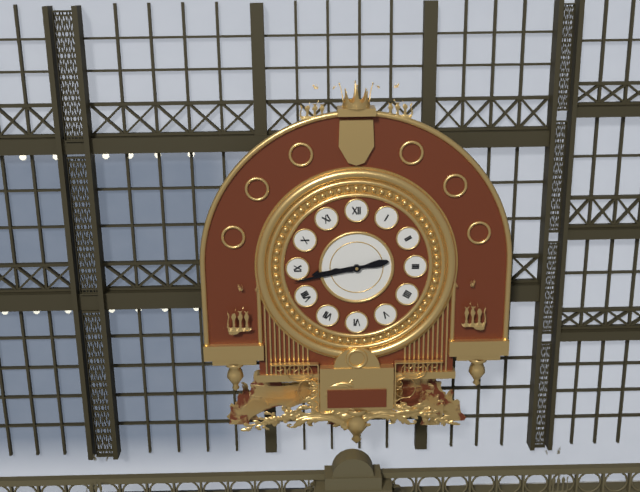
8h43
